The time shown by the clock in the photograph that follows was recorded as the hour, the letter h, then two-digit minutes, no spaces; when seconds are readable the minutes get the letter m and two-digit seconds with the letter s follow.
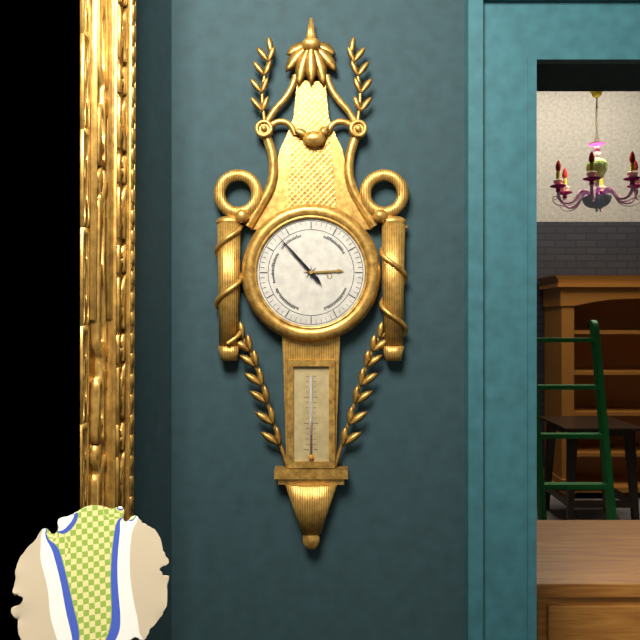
2h53
